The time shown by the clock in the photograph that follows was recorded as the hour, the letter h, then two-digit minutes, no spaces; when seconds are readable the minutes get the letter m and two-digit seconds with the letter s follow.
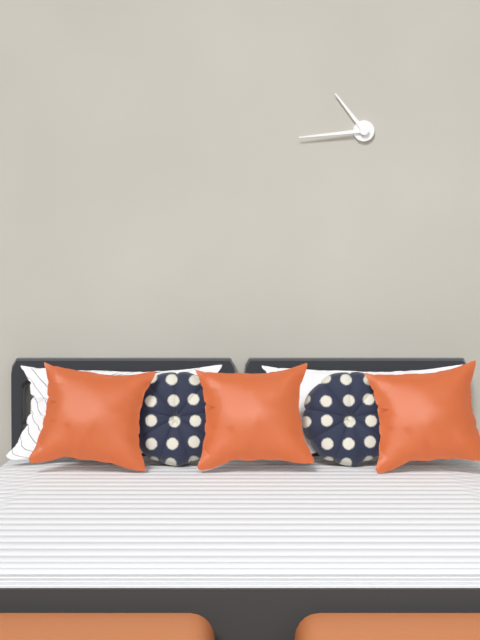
10h44
